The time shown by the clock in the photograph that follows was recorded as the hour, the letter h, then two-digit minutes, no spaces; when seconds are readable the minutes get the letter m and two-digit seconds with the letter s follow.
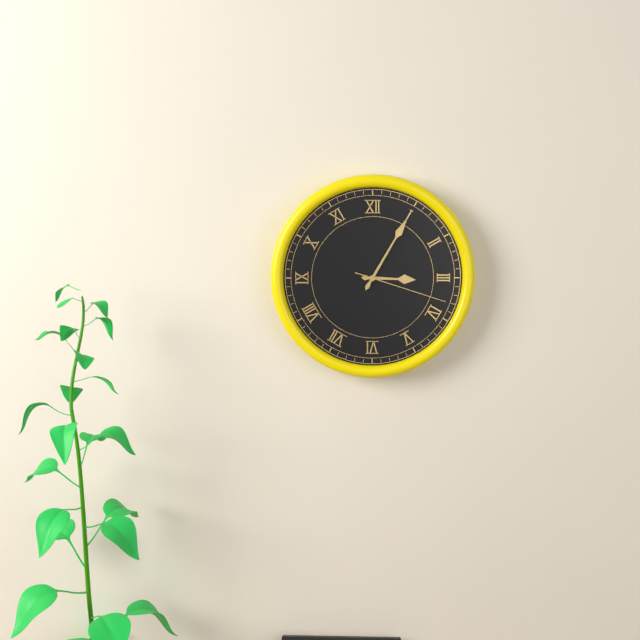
3h05m18s
